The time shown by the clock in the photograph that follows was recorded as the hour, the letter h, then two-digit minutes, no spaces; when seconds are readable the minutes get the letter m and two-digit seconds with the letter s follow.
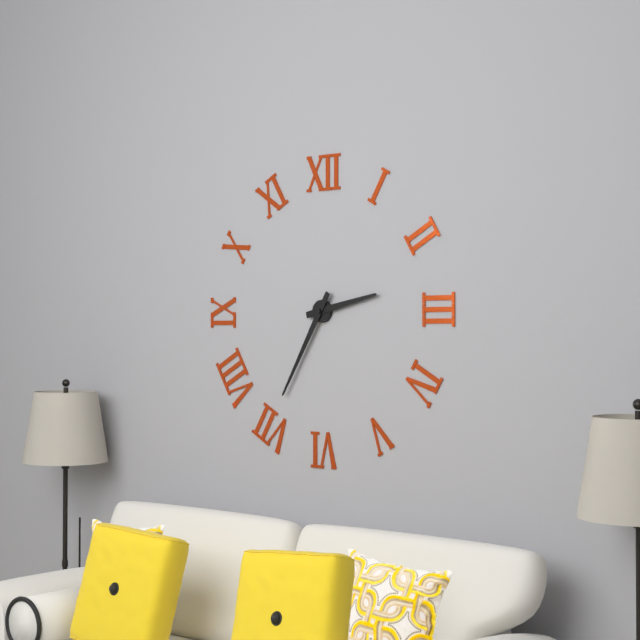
2h35
